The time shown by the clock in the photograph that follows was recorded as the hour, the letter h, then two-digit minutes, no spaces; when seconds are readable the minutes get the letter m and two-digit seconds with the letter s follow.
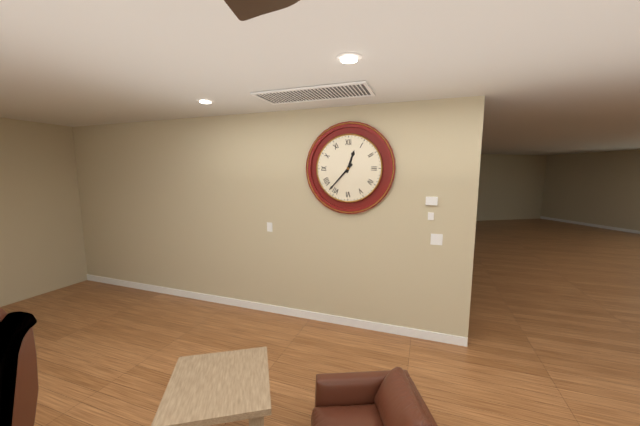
12h37
